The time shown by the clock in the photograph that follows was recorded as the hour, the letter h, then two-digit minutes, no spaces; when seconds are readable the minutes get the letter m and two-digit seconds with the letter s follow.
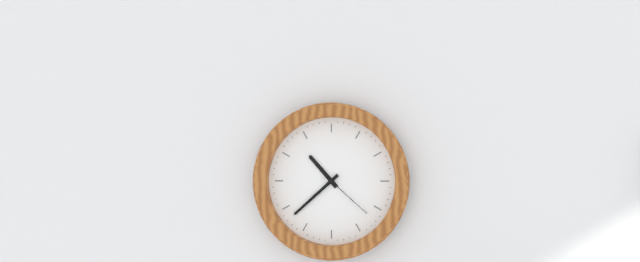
10h38m22s
